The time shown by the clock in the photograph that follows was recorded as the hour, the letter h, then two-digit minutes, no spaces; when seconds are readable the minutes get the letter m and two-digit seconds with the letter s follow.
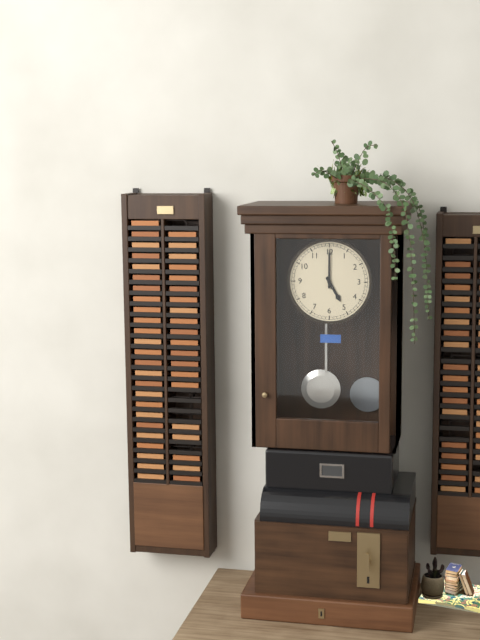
5h00
